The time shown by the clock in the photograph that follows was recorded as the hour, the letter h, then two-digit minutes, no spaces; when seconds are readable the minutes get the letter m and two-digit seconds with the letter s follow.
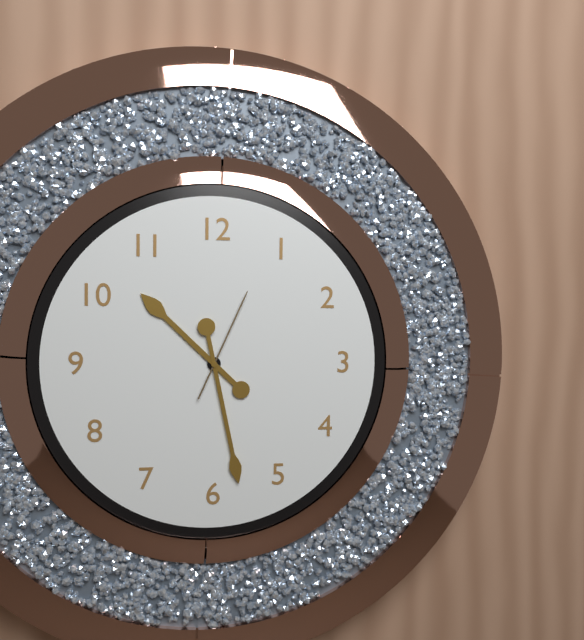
10h28m04s
